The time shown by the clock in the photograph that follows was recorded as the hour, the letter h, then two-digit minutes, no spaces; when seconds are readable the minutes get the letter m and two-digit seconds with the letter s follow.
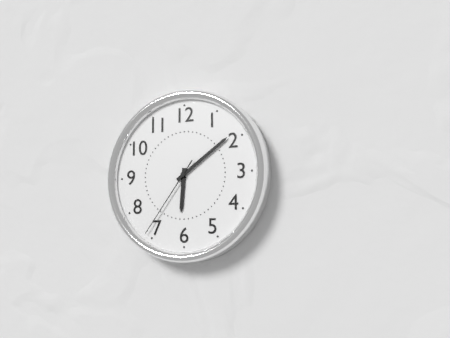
6h09m36s
